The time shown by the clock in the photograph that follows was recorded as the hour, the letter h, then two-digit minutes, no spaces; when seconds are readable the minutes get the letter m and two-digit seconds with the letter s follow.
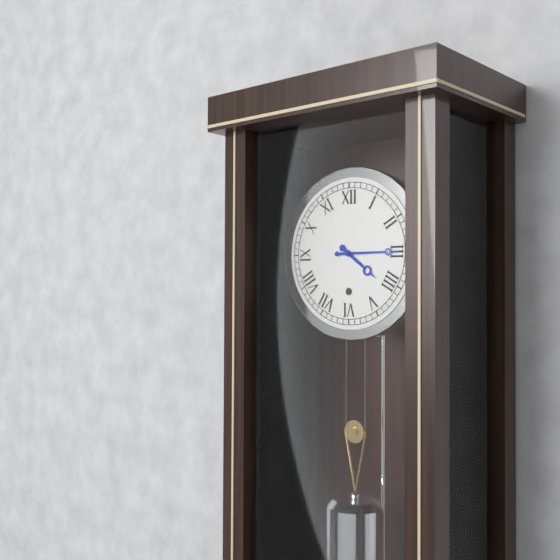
4h15
